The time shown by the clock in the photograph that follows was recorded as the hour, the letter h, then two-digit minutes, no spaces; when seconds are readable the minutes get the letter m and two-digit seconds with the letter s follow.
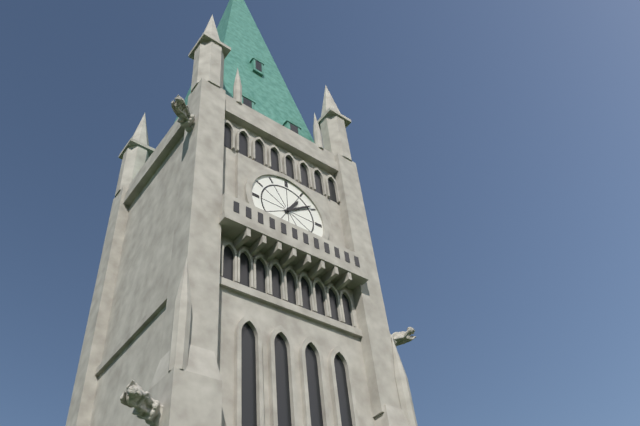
1h09
